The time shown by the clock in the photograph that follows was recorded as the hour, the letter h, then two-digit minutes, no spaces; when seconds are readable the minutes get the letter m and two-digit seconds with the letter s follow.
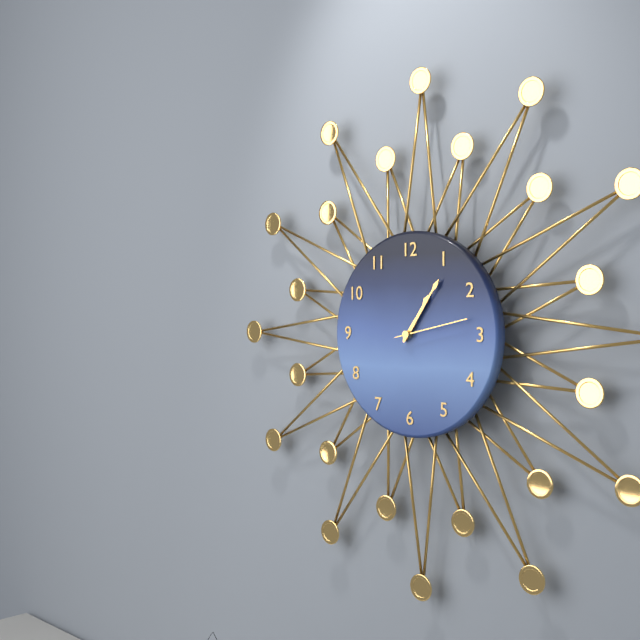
1h06m13s
